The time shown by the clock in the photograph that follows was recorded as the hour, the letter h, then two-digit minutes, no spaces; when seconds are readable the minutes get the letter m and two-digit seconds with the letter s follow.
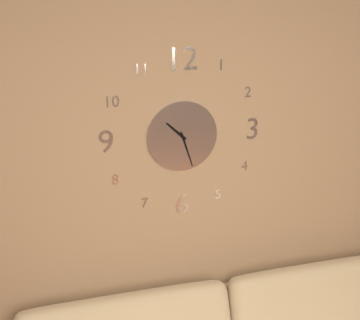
10h27
